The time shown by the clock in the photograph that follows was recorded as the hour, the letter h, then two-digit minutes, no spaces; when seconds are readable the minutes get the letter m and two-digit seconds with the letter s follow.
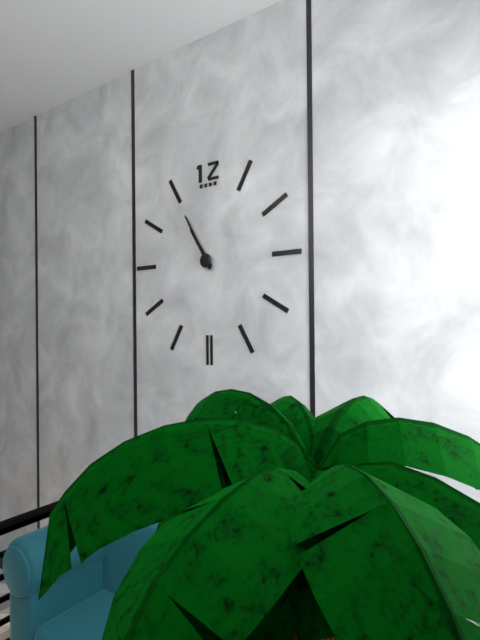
10h55
